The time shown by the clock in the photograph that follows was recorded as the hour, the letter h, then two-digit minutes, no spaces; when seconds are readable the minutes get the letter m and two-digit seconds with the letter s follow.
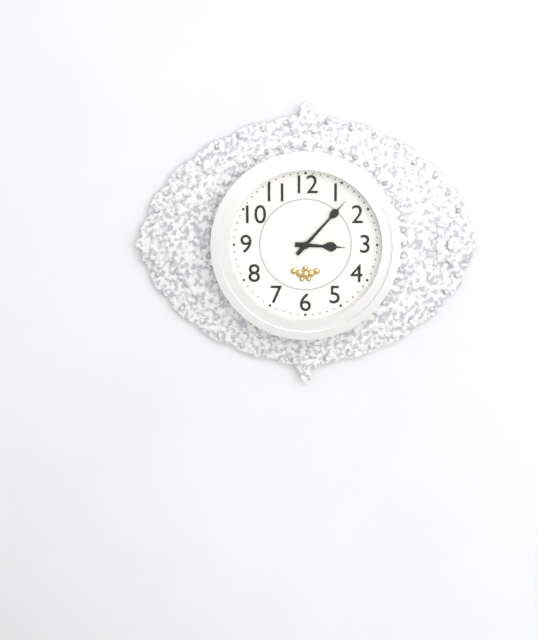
3h07
